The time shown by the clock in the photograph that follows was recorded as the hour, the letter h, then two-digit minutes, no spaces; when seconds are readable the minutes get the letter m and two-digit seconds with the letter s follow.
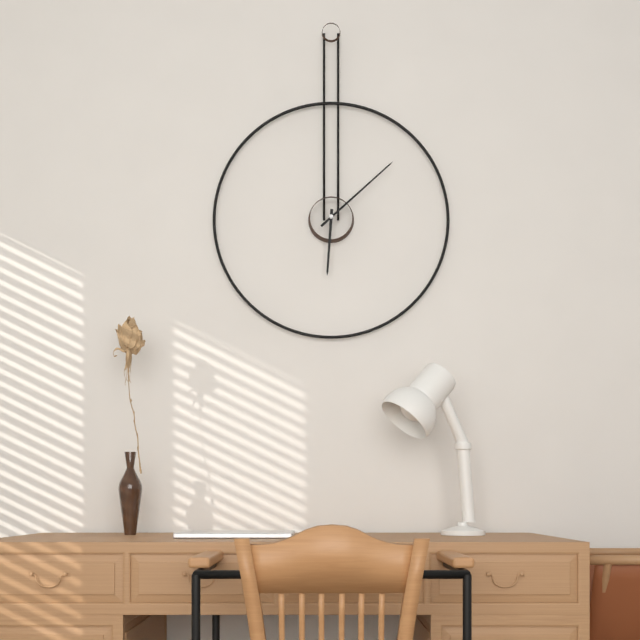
6h08
